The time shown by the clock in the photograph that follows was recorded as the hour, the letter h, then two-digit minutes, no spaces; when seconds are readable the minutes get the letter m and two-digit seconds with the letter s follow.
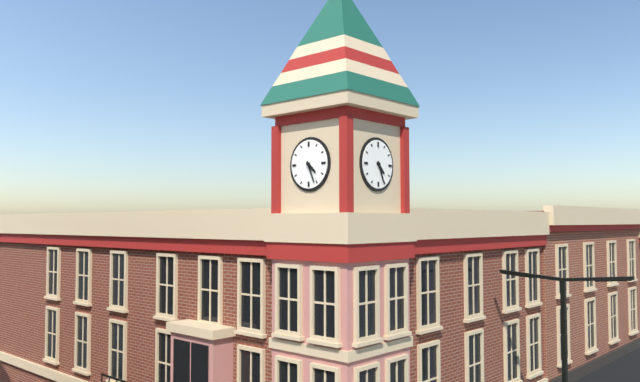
4h26
